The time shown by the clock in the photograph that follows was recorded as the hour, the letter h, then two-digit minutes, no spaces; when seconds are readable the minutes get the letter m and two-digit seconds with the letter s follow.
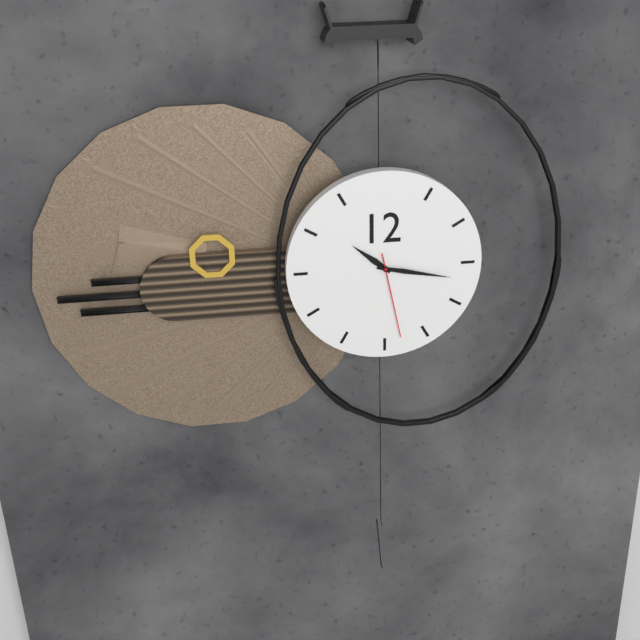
10h17m28s
